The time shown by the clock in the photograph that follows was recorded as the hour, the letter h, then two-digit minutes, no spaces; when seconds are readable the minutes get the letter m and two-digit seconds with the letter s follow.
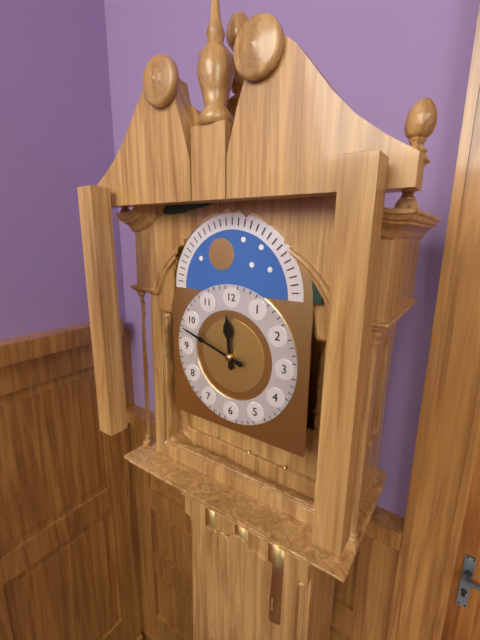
11h48
